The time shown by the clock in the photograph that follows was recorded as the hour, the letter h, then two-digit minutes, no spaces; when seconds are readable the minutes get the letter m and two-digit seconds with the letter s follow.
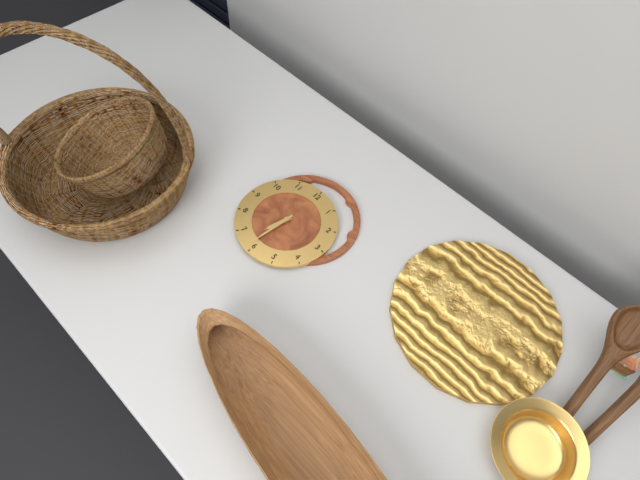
6h31
